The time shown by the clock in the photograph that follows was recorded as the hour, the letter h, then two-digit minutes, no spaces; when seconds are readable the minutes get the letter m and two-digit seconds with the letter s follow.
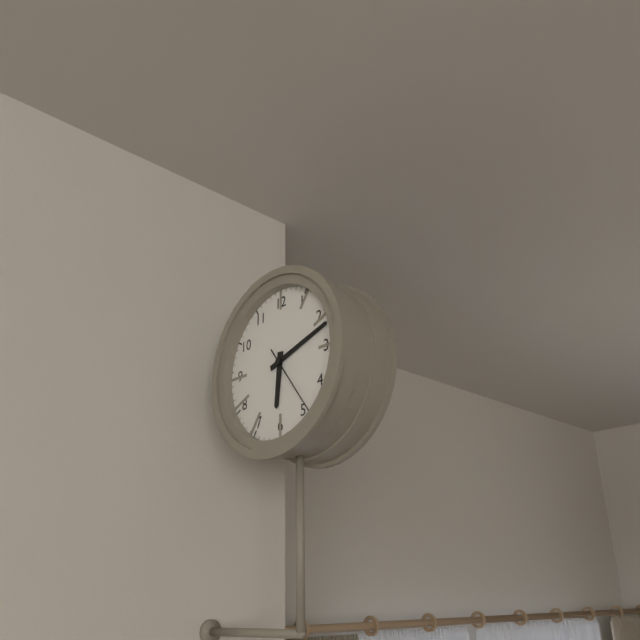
6h12m24s
